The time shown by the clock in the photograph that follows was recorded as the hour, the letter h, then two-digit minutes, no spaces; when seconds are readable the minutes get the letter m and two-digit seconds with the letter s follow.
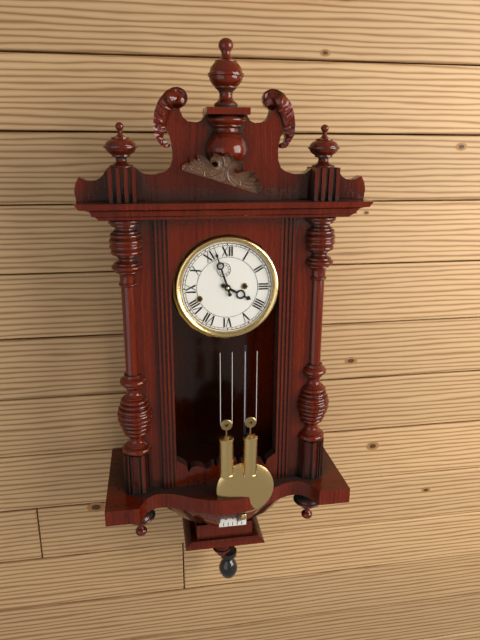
3h57
